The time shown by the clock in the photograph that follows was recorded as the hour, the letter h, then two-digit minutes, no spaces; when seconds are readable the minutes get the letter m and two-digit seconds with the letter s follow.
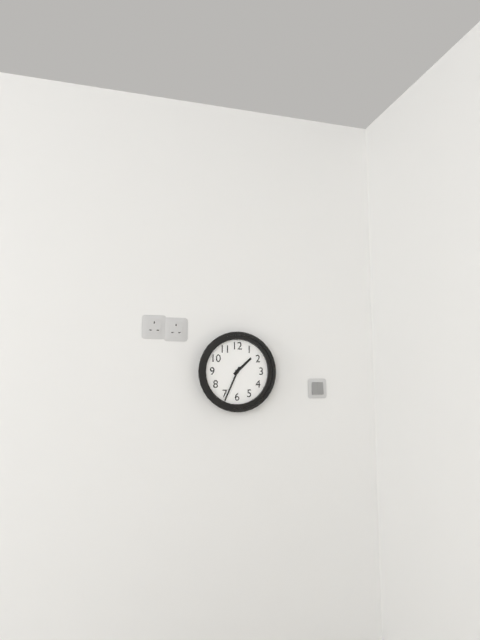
1h34
